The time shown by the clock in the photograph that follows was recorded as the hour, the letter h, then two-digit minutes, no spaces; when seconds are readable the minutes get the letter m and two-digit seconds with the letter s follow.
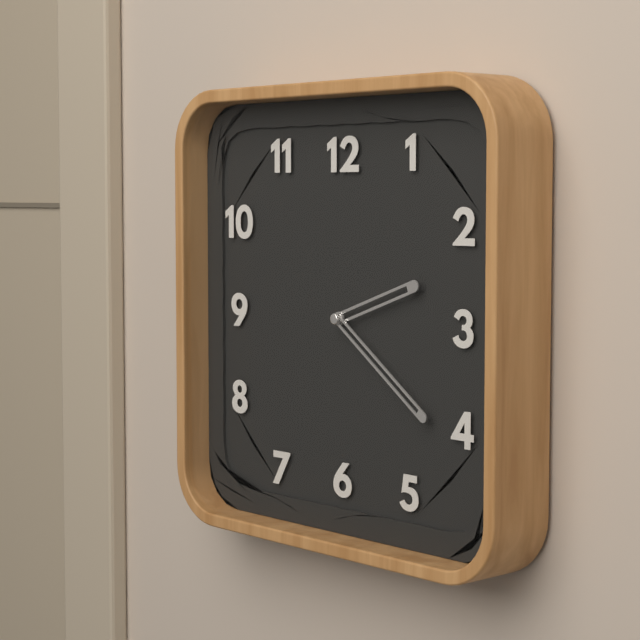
2h21
